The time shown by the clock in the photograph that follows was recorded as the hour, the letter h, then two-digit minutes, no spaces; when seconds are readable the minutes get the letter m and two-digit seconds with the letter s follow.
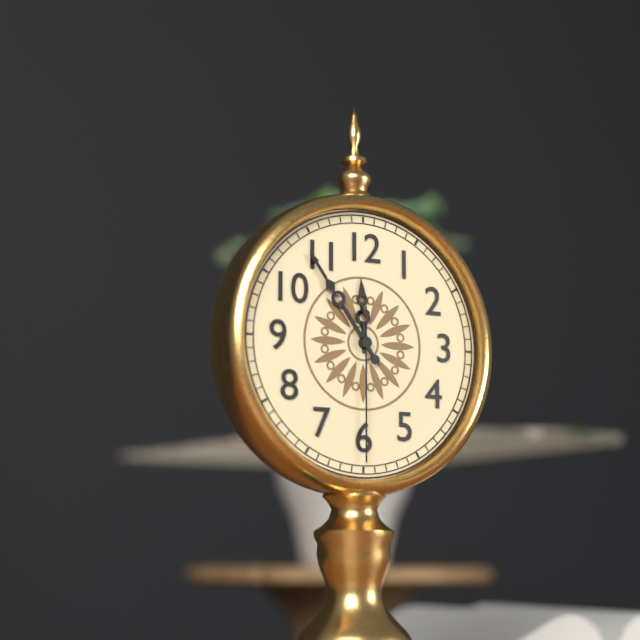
11h54m30s
